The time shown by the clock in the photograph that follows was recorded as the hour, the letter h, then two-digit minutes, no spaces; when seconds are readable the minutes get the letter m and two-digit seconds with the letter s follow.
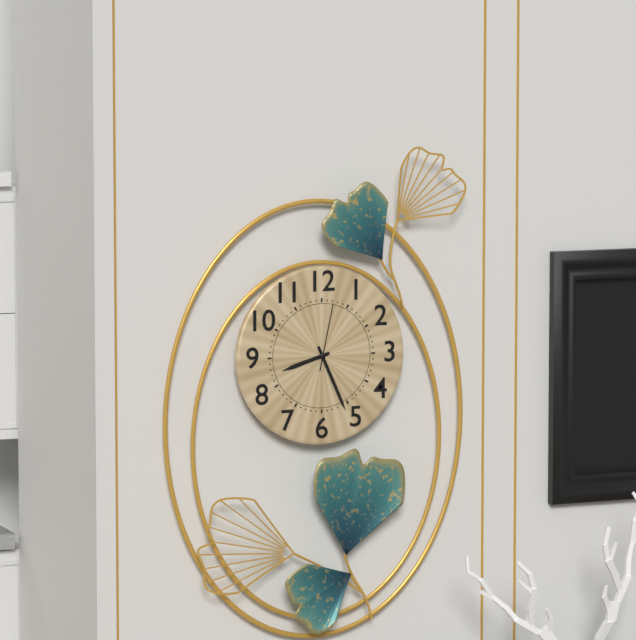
8h26m02s
